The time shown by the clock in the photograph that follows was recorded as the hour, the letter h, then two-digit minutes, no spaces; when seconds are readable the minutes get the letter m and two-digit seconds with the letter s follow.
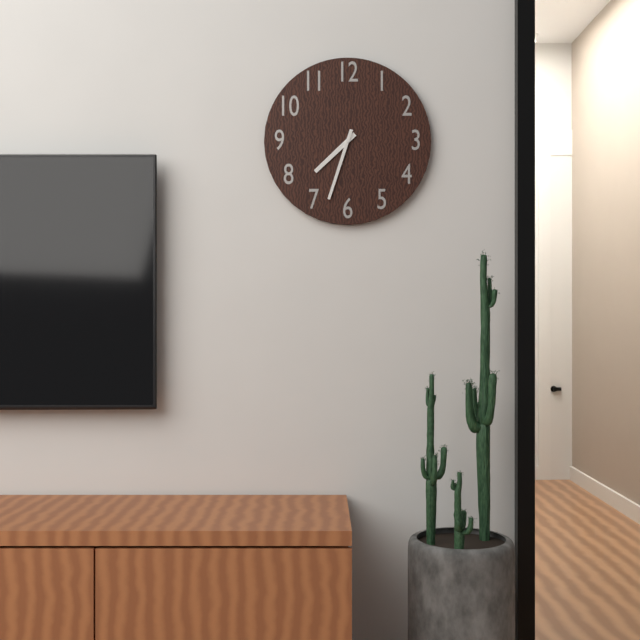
7h33
